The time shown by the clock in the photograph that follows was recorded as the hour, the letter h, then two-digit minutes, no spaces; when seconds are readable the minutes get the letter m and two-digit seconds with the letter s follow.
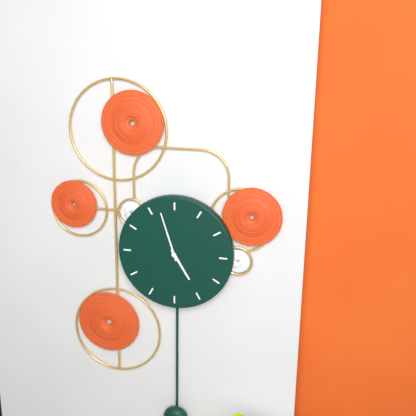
4h57
